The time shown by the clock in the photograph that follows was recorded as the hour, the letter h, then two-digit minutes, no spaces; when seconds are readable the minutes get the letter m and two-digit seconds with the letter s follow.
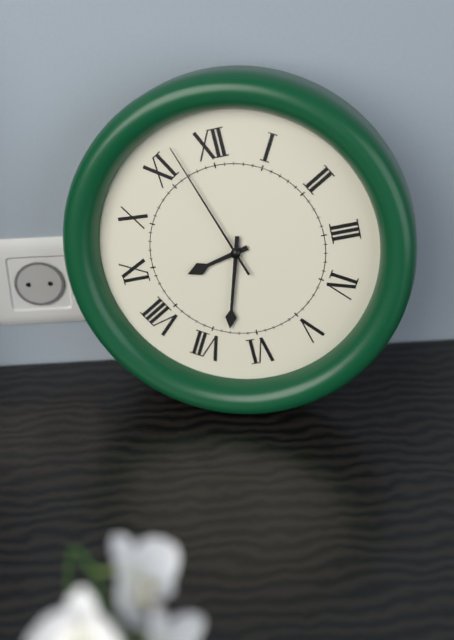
8h33m57s
